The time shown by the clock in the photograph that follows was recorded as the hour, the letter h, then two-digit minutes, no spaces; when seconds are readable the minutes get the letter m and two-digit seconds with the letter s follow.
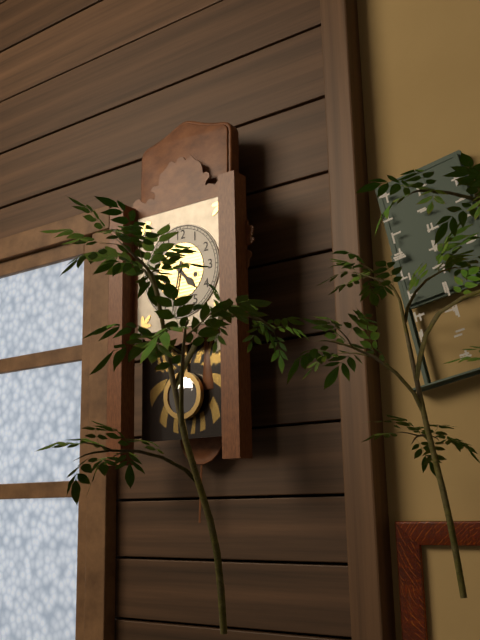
4h32
